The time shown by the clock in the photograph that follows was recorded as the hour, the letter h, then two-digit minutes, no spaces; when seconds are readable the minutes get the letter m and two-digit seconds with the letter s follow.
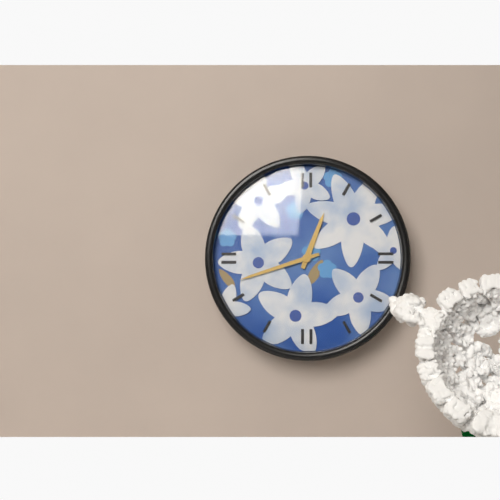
12h42
